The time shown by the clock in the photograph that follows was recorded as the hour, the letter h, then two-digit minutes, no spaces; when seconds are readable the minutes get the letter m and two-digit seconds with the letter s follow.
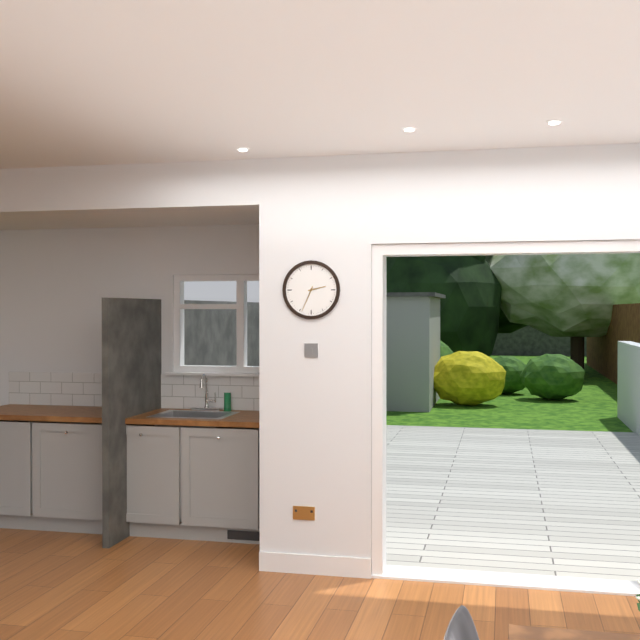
2h34
